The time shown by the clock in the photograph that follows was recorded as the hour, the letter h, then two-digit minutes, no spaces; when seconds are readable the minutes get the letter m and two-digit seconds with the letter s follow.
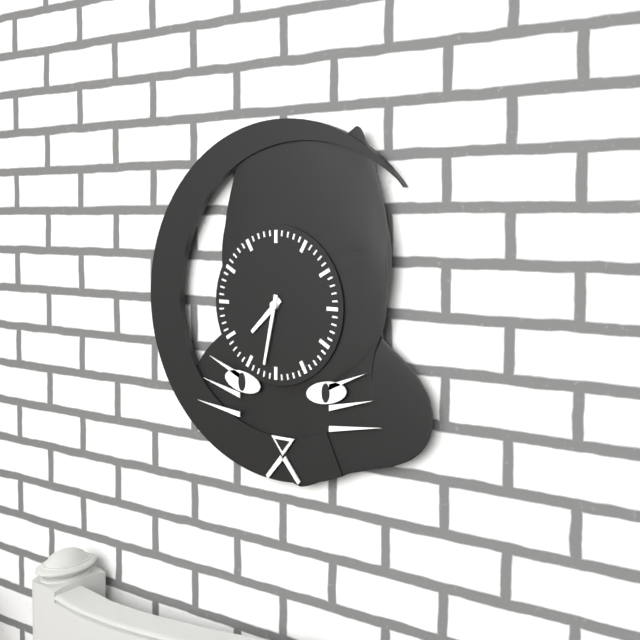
7h32
